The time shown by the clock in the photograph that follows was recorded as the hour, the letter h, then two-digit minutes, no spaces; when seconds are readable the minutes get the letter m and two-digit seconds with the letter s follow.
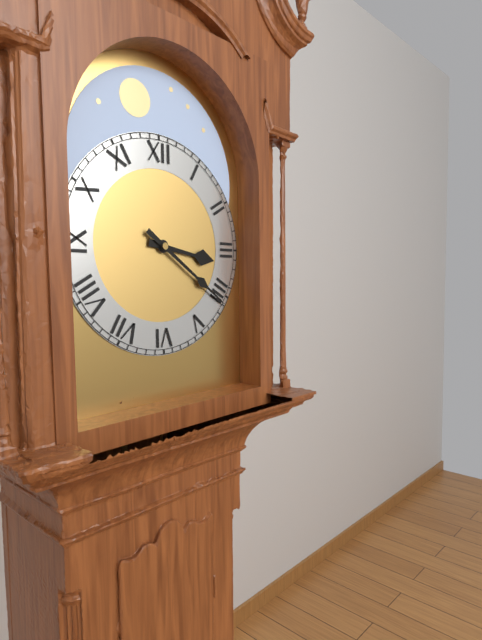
3h21
